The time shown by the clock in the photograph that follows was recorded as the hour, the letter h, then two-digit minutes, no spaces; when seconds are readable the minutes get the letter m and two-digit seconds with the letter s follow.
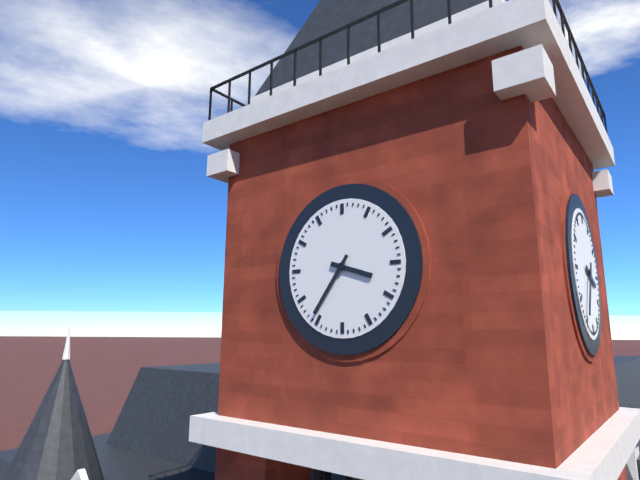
3h36
